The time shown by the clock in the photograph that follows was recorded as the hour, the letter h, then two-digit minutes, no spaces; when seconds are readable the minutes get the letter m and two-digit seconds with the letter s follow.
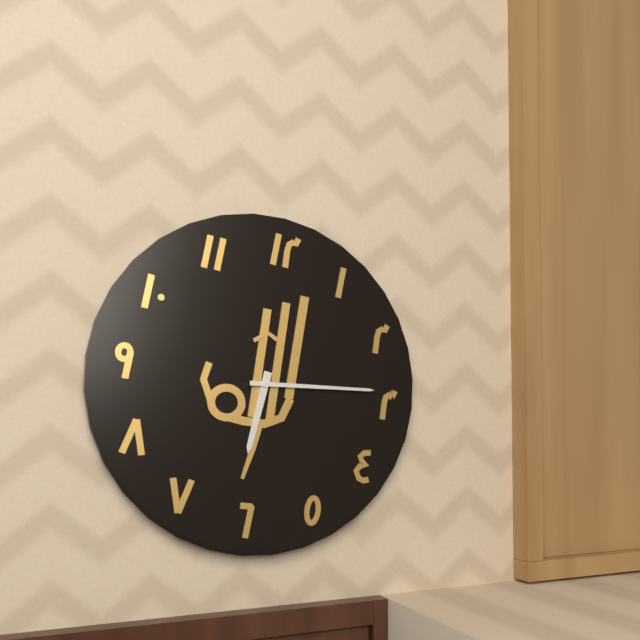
6h14
